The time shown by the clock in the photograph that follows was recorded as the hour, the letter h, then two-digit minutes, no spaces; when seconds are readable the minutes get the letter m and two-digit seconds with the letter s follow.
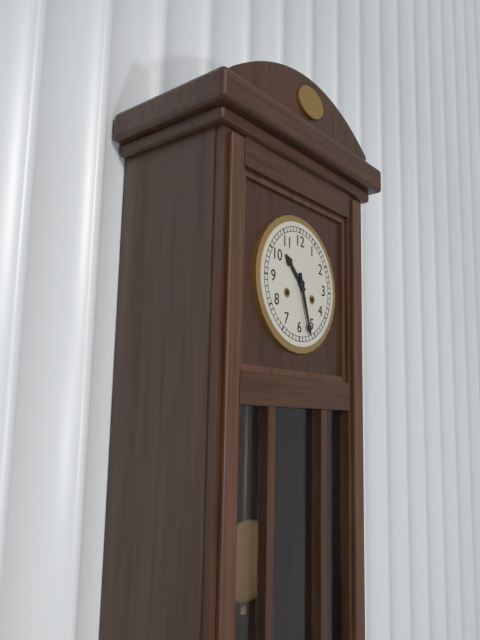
10h27
